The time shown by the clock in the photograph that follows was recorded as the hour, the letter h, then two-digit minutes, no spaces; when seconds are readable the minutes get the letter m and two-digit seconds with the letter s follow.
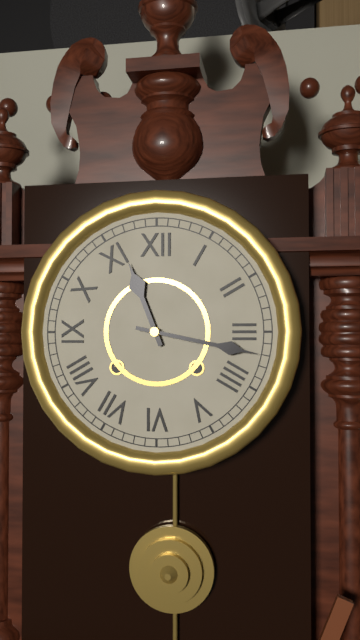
11h17
